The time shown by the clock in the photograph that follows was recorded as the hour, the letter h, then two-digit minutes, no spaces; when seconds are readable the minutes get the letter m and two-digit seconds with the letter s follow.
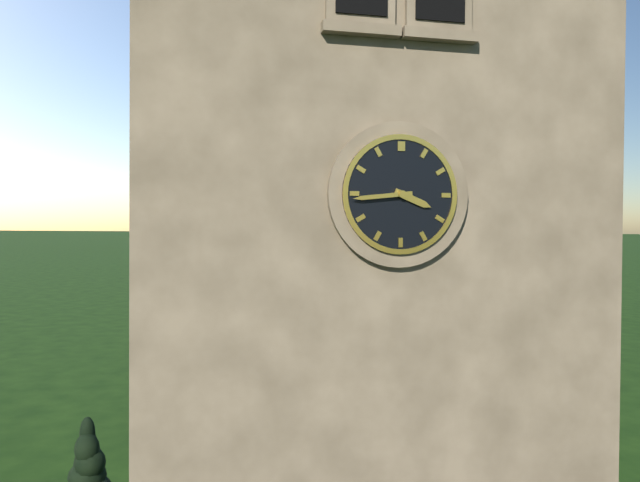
3h44
